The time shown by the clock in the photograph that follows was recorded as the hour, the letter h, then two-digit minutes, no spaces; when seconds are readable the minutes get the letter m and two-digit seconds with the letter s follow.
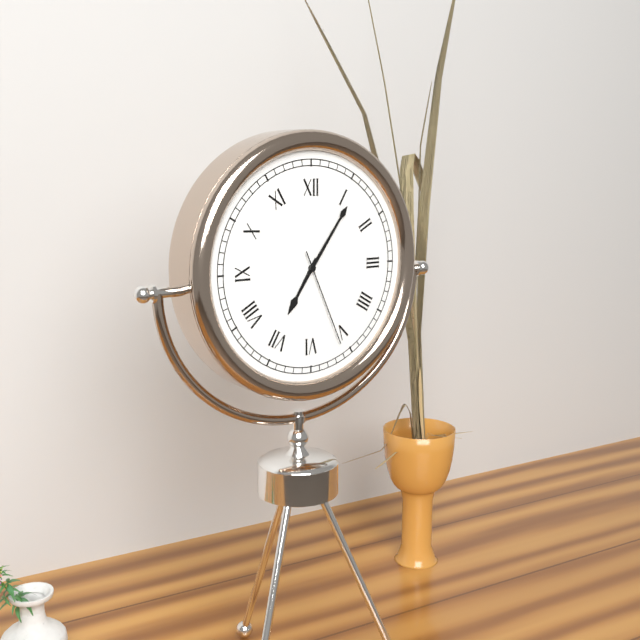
7h06m26s
